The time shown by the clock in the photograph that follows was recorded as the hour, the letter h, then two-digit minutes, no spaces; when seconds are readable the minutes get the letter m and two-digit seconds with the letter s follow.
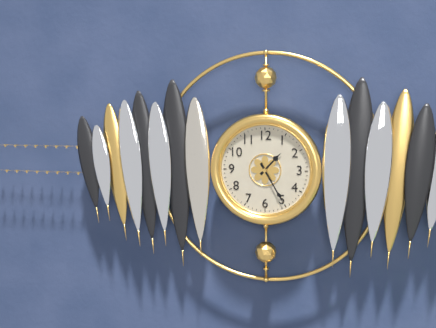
1h25
